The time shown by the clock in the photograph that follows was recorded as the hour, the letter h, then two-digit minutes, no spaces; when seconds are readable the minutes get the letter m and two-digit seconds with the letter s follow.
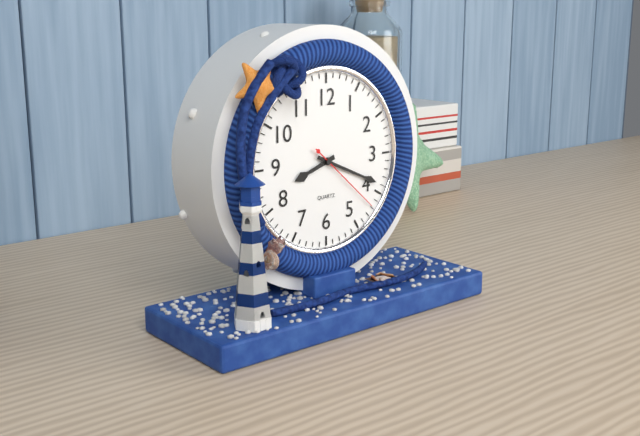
8h19m22s
